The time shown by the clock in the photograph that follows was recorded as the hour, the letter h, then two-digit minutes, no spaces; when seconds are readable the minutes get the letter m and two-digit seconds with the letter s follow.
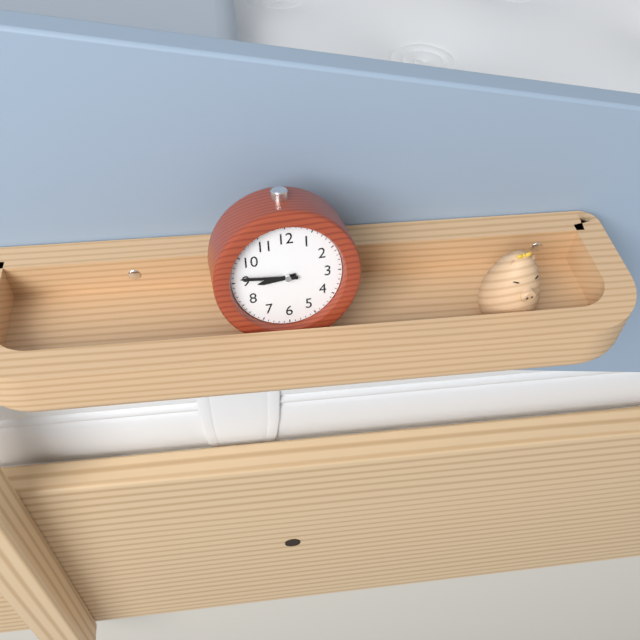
8h46
